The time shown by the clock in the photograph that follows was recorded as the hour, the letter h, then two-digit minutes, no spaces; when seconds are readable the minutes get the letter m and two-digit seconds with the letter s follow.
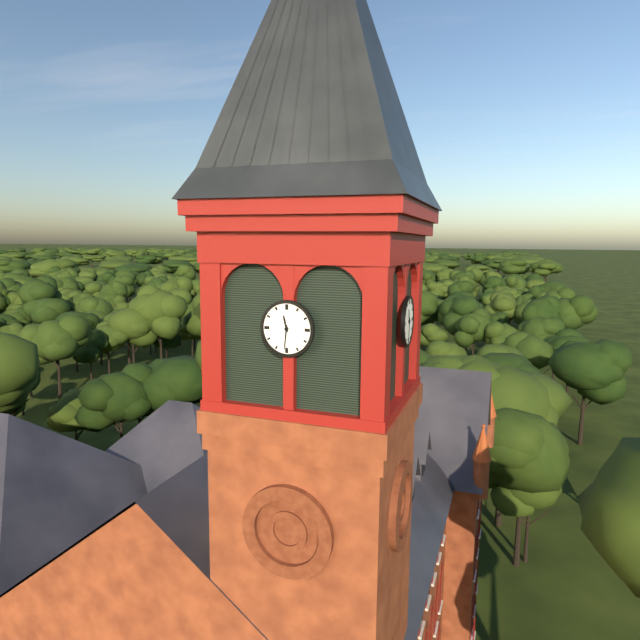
11h31
